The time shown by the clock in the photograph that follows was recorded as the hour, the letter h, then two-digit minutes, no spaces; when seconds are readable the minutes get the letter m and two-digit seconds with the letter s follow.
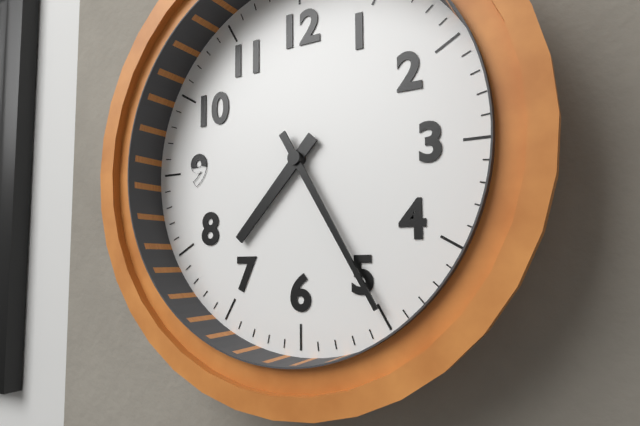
7h25
